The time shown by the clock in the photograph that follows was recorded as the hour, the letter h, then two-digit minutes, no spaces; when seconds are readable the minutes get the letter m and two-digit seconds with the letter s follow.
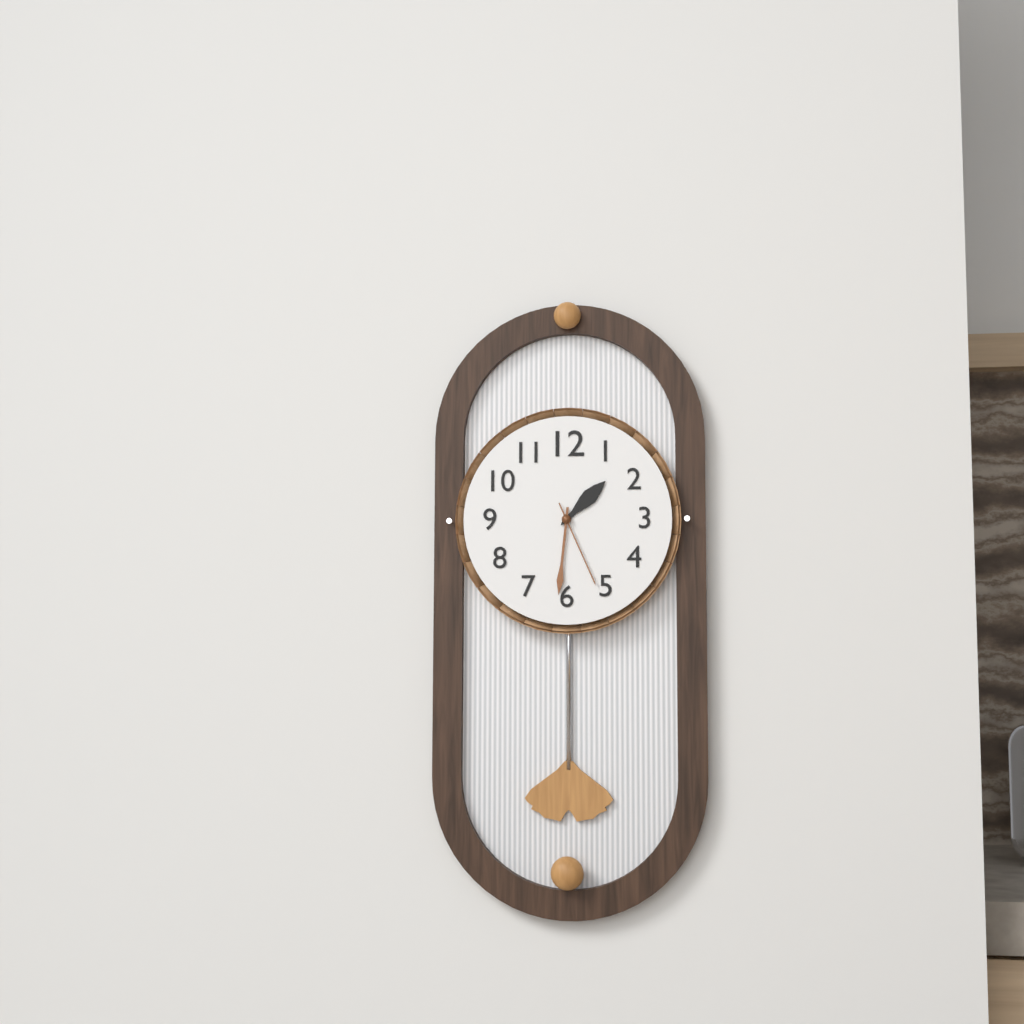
1h31m26s
